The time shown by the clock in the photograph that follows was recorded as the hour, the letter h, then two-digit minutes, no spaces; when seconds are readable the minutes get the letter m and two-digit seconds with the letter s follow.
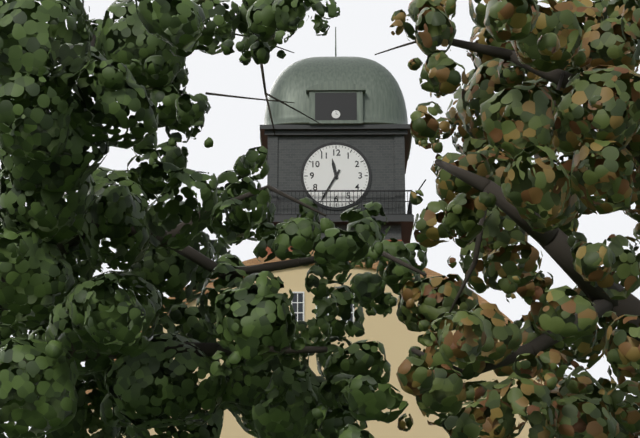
11h35
